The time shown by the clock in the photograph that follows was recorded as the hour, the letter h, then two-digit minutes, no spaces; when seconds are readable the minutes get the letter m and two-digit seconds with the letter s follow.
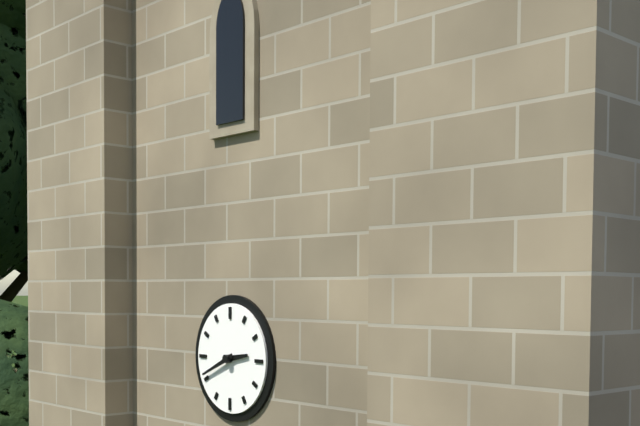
2h41
